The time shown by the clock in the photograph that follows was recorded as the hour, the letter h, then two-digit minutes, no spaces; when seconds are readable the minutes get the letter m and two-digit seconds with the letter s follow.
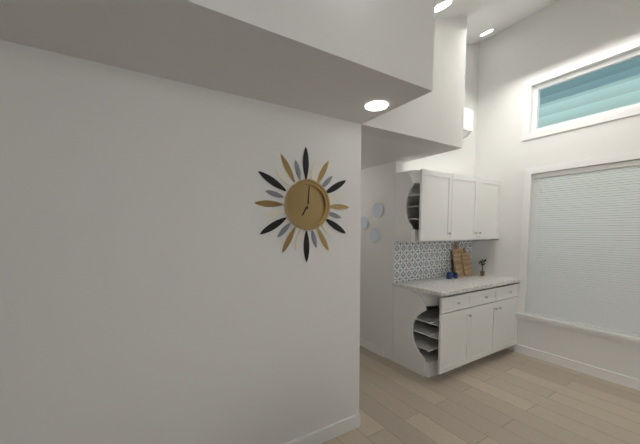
7h01
